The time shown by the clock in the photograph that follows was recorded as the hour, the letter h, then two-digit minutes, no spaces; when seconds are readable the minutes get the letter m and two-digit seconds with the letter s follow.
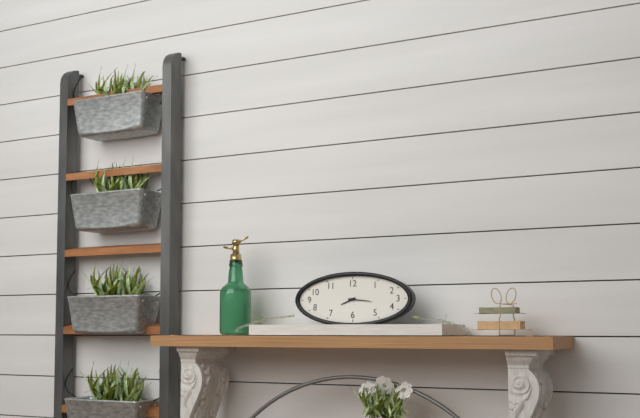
8h16
